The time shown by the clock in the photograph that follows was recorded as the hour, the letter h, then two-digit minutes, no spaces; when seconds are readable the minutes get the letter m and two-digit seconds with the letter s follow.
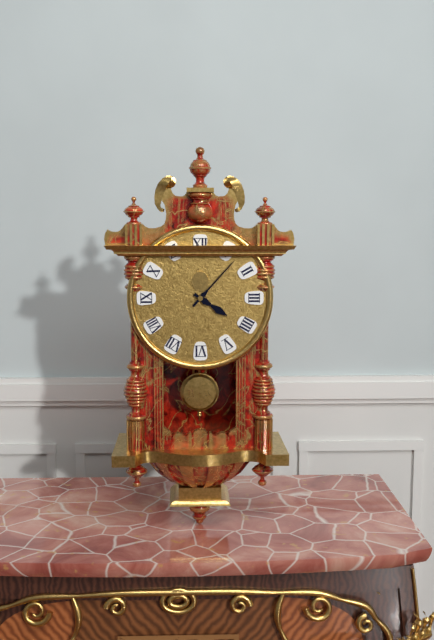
4h07
